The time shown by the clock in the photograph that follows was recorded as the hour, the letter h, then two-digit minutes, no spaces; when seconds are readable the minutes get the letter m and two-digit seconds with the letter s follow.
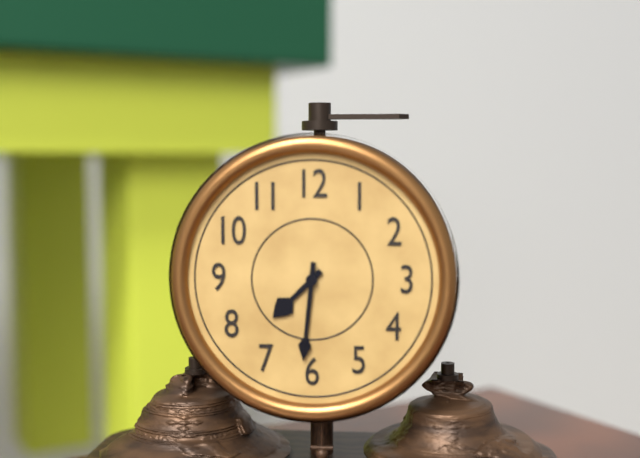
7h31
